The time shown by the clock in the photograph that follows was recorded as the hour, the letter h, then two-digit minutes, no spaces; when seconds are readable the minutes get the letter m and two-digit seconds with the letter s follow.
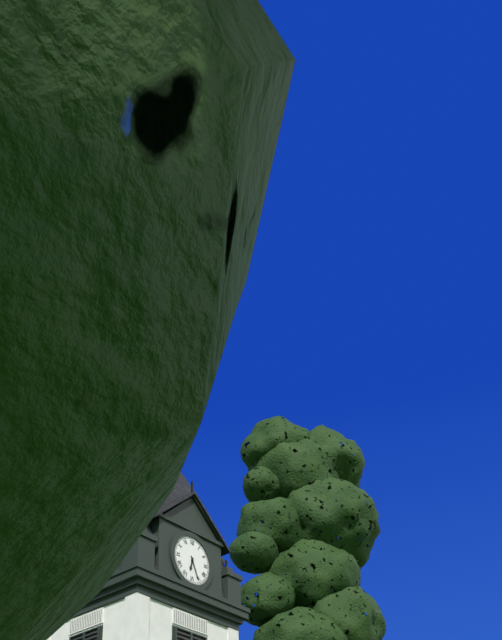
6h26
